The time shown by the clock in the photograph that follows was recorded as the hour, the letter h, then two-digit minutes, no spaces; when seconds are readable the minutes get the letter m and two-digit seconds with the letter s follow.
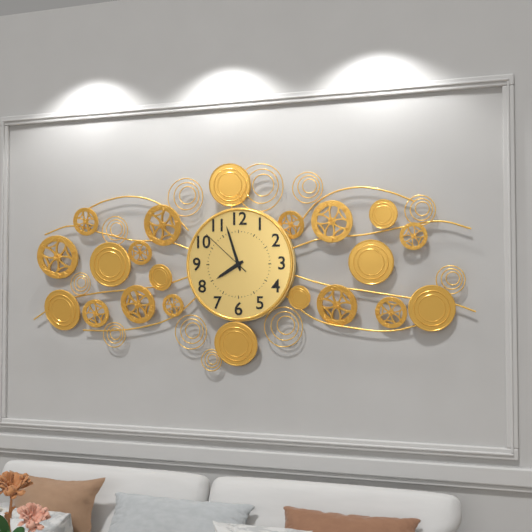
7h57m52s
